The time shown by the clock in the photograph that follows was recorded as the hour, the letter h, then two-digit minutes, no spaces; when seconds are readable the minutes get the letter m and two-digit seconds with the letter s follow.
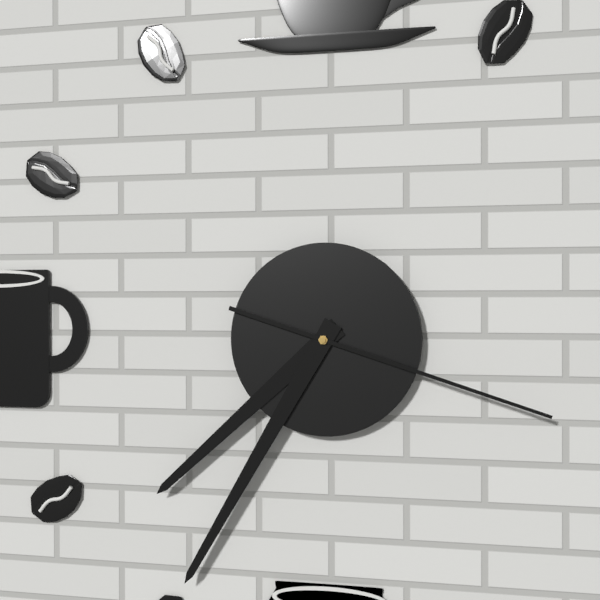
7h35m18s
